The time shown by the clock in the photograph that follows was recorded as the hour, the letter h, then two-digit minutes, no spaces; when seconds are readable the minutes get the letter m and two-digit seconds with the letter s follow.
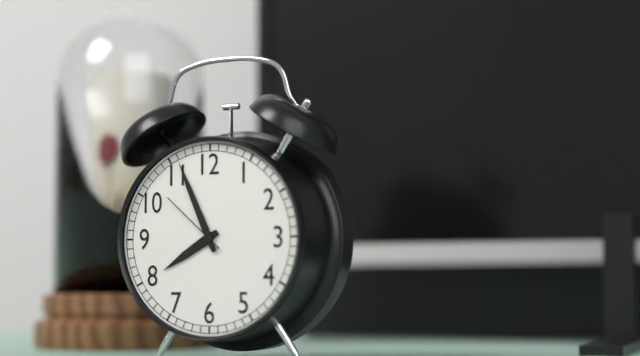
7h56m52s
